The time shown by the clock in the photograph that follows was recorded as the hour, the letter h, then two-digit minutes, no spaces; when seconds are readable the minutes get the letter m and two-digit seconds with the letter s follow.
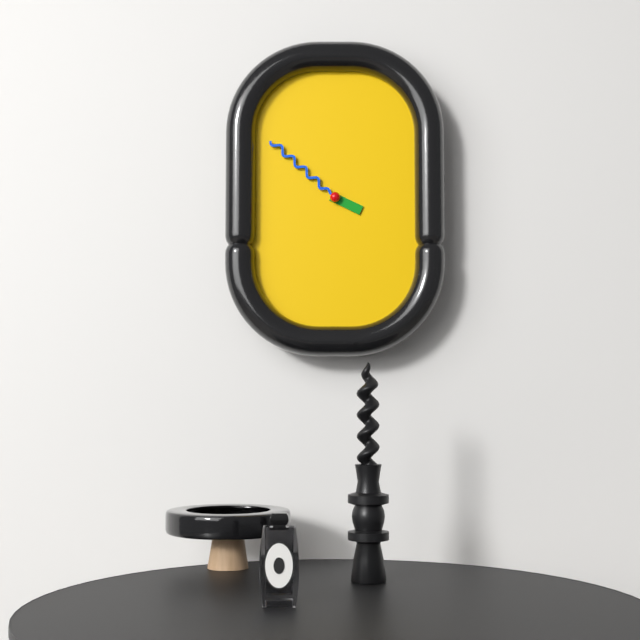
3h52
